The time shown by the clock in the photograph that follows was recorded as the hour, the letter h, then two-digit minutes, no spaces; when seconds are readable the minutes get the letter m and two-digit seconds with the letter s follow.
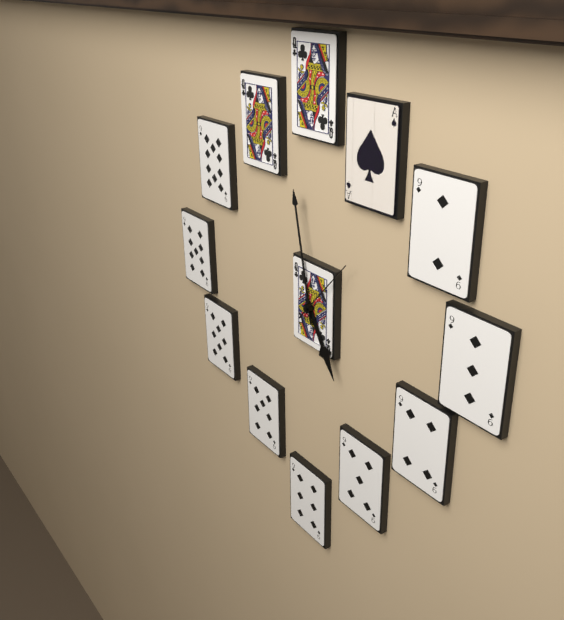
4h58m07s
